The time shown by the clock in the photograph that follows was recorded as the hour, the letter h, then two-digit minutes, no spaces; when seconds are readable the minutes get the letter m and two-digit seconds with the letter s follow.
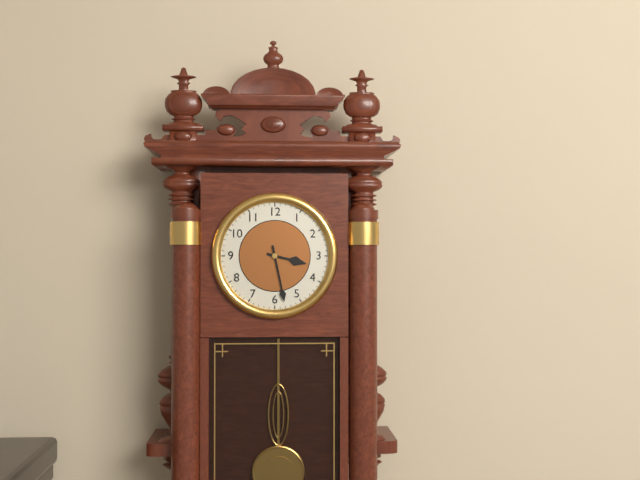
3h28
